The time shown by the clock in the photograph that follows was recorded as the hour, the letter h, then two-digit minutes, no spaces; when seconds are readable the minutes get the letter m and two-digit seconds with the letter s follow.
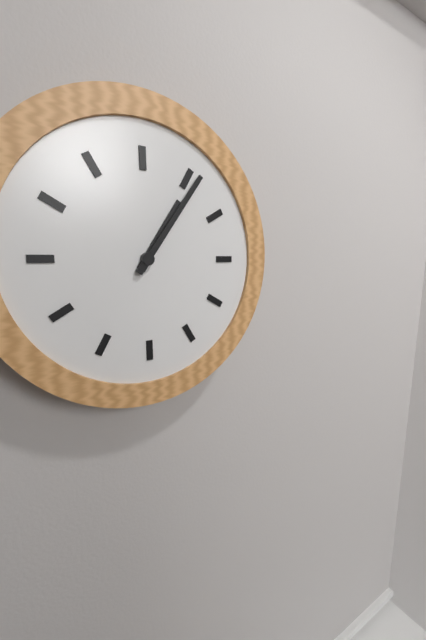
1h06
